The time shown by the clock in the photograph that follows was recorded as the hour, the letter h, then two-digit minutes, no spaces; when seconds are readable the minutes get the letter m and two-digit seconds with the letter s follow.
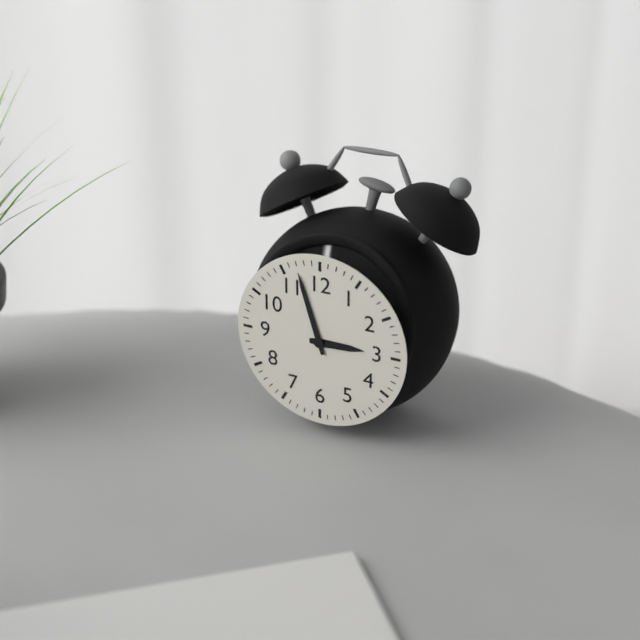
2h57
